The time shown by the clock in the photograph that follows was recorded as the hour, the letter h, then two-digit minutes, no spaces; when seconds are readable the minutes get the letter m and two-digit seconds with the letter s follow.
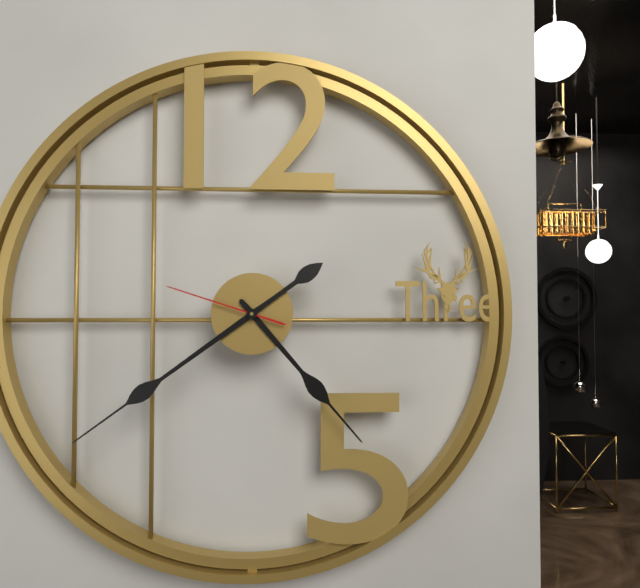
4h39m48s
